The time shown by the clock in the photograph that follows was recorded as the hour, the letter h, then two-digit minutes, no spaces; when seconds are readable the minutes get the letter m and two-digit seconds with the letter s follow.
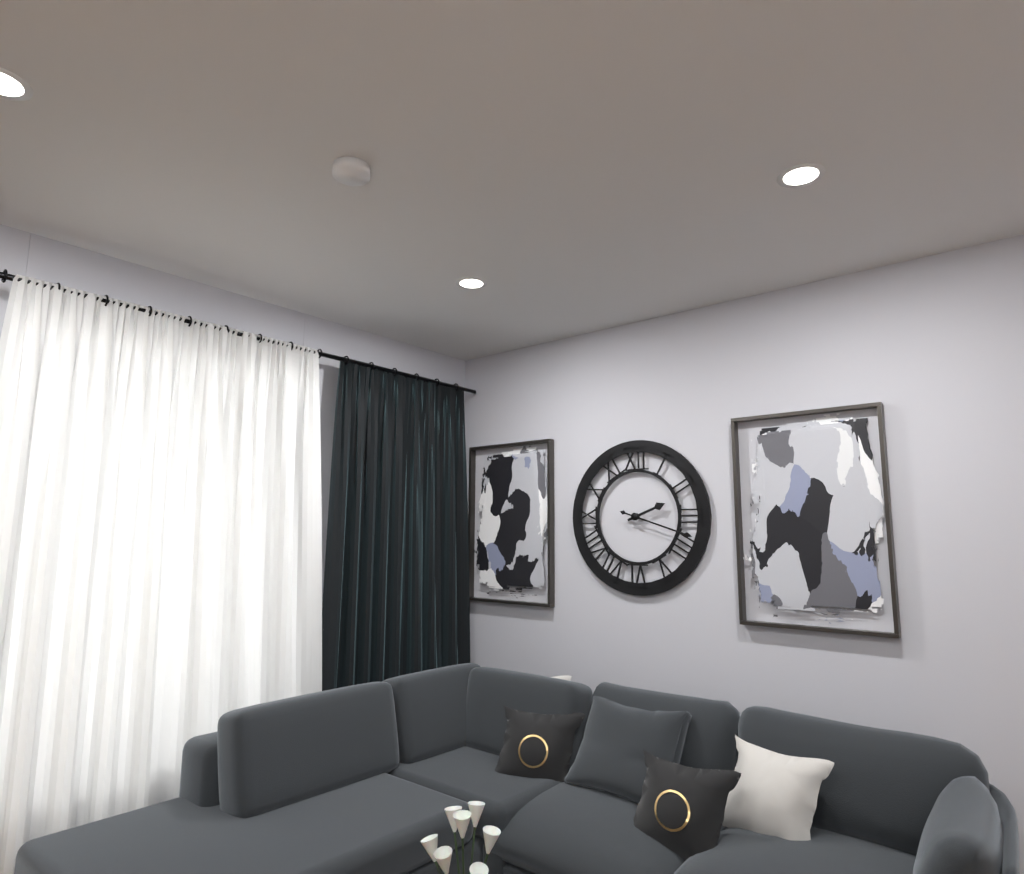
2h18
